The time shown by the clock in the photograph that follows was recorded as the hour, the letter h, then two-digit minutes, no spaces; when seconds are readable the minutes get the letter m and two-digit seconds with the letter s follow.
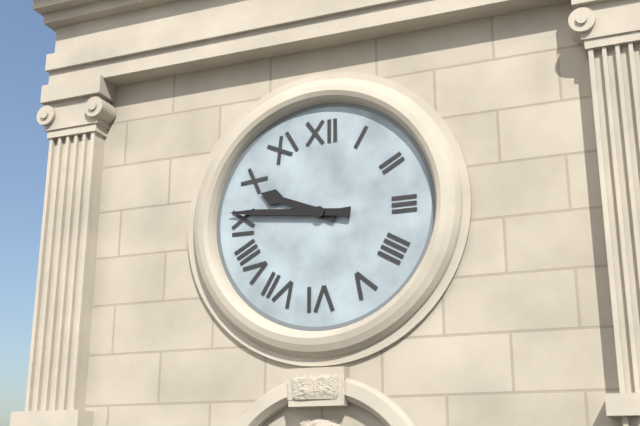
9h46
